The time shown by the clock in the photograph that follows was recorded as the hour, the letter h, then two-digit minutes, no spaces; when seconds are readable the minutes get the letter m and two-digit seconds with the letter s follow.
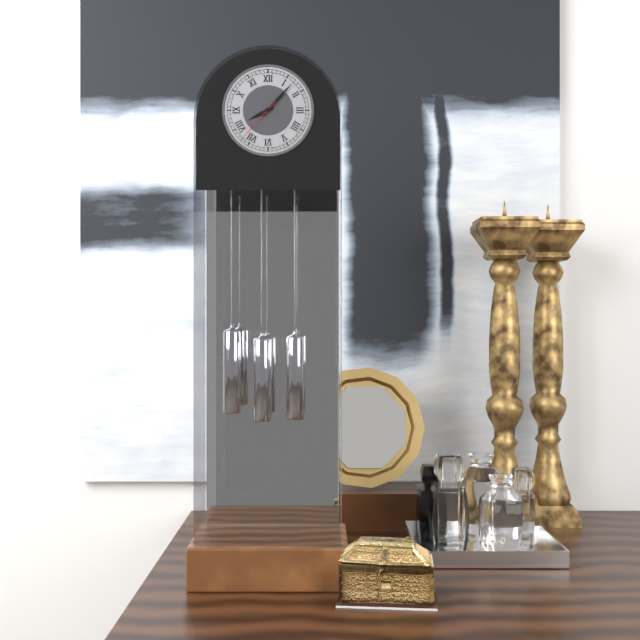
8h07
